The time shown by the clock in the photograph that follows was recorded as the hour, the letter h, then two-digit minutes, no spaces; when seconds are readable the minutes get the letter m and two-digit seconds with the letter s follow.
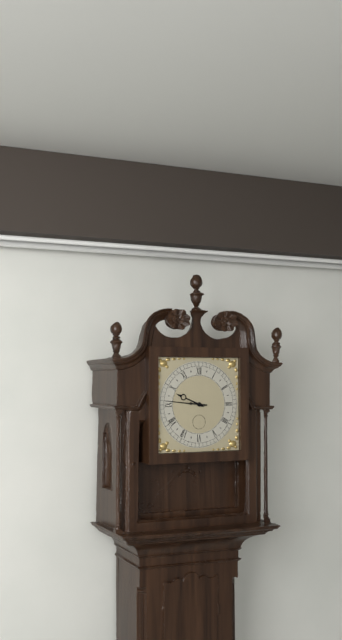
9h46
